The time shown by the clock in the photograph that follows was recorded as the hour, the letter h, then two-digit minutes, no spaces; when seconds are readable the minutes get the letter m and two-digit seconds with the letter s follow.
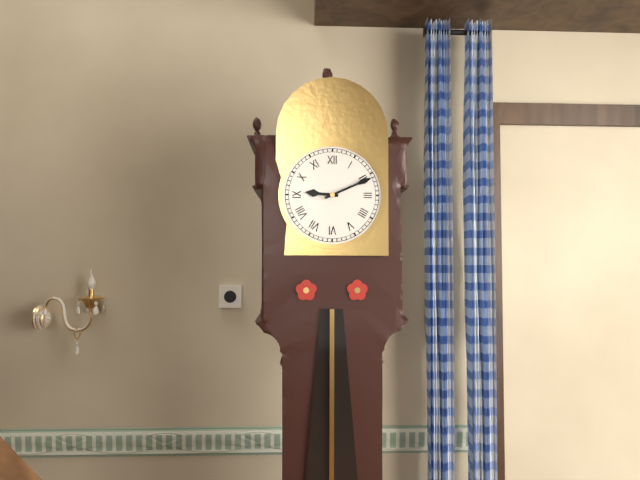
9h11
